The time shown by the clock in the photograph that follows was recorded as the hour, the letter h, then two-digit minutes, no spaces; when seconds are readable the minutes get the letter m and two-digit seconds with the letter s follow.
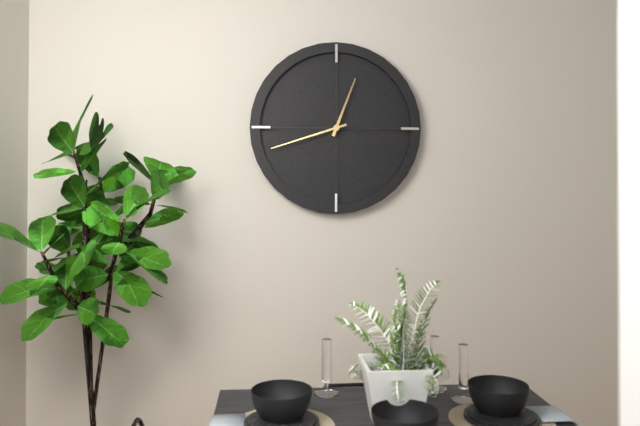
12h42
